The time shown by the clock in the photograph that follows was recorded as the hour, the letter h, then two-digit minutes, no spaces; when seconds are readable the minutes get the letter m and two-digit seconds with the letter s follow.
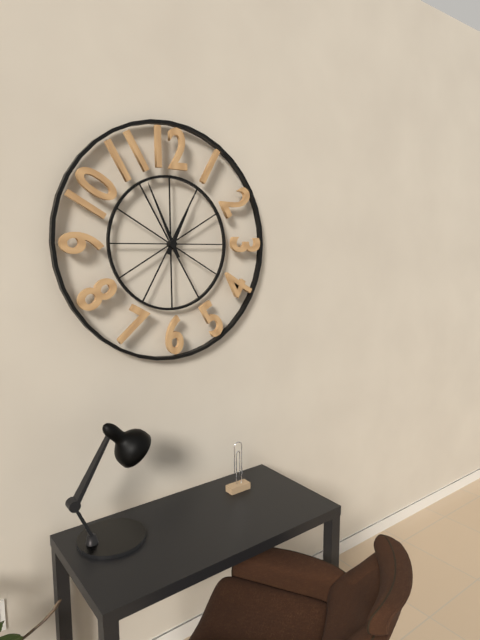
12h56
